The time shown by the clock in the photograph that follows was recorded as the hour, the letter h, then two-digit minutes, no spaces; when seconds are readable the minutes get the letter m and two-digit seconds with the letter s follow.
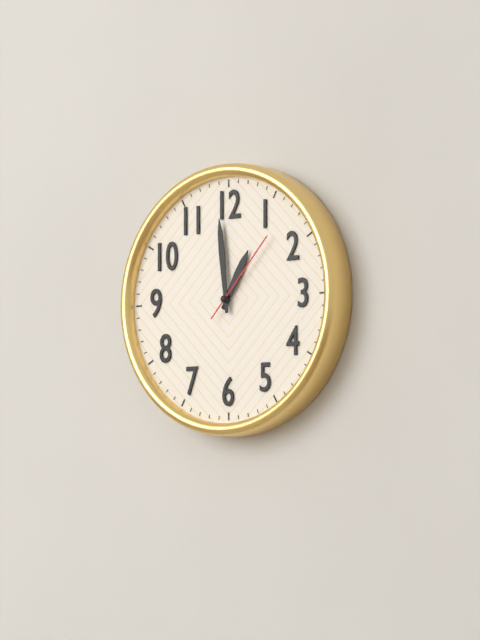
12h59m07s
